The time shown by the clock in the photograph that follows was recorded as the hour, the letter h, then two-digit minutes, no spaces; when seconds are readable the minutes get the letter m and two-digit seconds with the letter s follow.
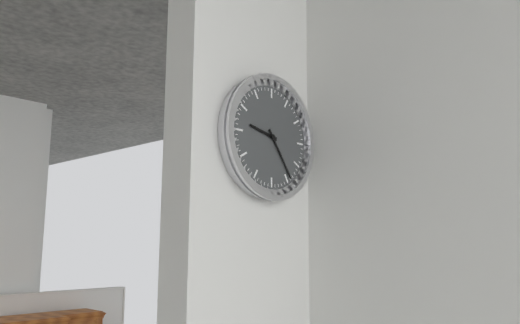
9h24
